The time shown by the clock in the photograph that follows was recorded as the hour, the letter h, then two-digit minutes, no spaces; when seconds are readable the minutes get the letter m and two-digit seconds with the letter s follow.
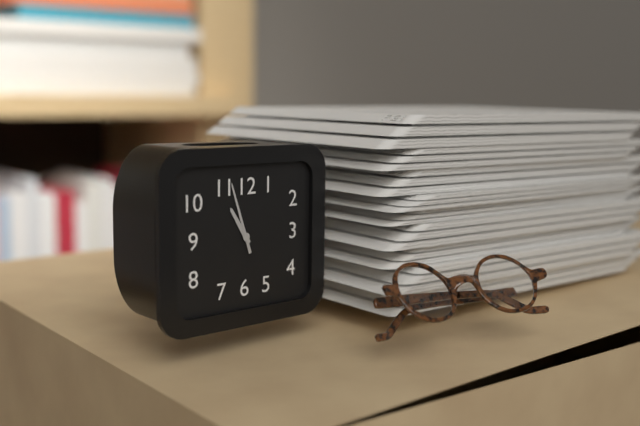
10h57
